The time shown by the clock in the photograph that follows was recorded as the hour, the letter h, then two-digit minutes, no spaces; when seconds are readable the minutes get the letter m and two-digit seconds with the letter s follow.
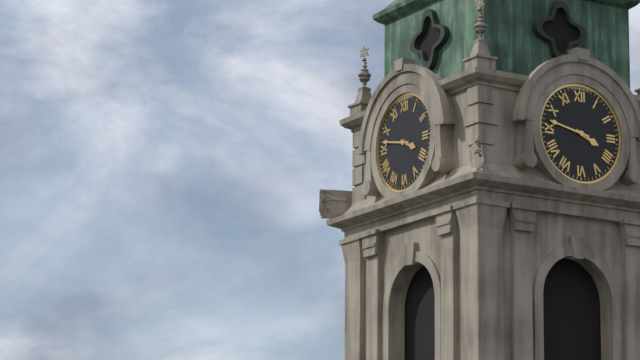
3h47
